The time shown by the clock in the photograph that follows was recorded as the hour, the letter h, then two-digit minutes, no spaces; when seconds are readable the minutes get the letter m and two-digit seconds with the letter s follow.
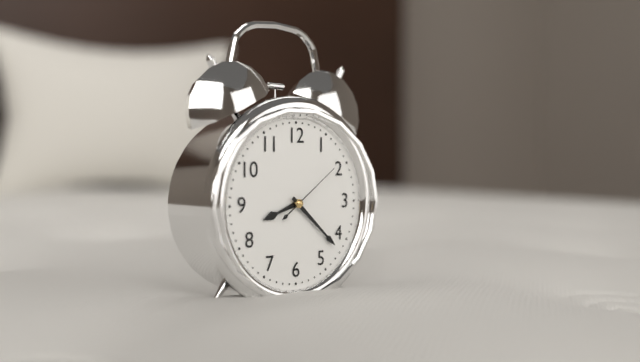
8h22m09s
